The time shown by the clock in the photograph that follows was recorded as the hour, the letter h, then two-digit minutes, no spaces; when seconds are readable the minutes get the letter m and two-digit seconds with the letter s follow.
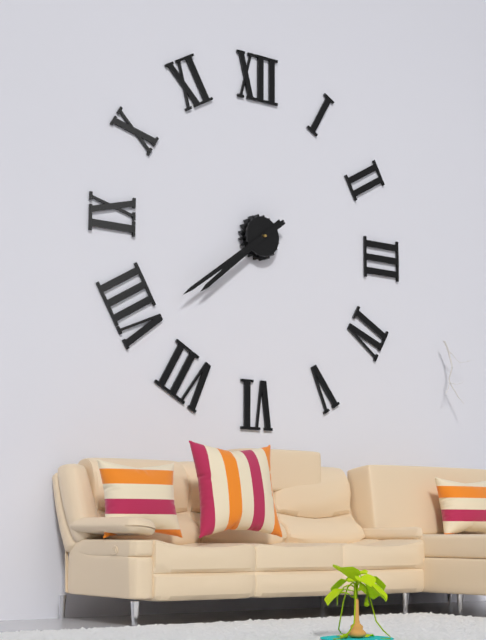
7h39
